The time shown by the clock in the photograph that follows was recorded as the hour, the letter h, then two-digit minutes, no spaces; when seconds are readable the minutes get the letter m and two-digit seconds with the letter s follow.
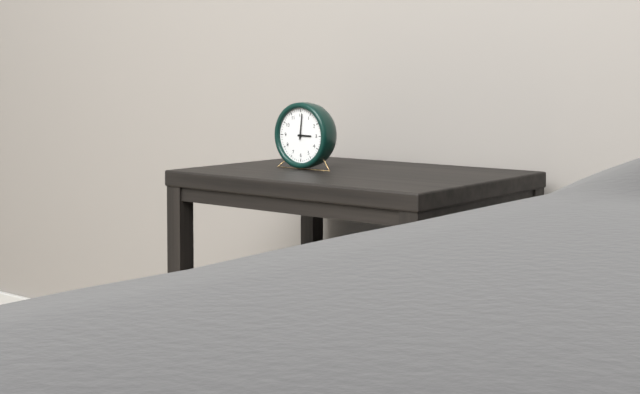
3h01
